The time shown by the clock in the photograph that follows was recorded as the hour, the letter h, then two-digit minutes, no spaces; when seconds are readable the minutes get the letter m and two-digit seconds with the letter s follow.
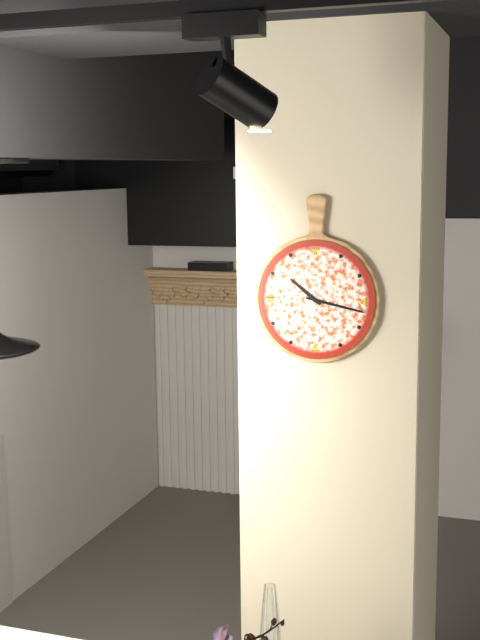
10h17
